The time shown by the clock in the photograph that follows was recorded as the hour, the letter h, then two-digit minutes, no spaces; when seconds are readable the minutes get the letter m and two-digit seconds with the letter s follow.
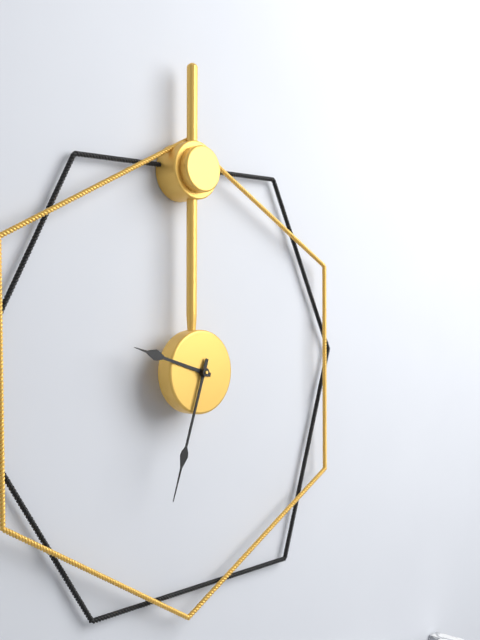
9h33
